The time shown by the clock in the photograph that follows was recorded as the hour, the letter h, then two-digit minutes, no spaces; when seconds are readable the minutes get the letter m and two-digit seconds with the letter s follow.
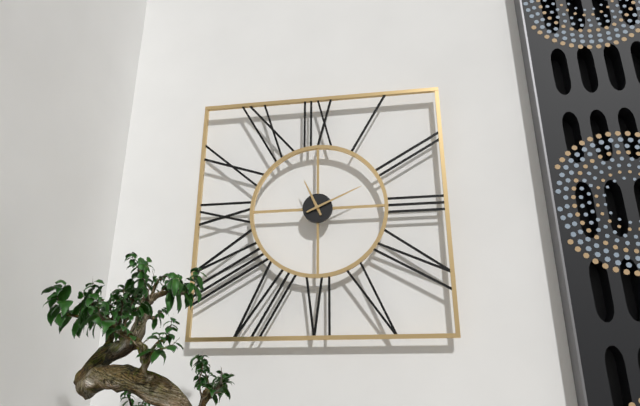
11h11
